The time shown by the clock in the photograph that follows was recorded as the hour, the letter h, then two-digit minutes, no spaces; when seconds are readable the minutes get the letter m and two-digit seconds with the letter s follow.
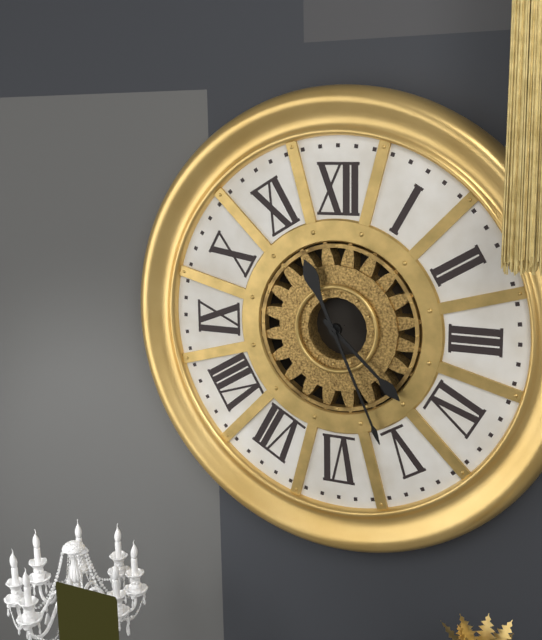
4h26
